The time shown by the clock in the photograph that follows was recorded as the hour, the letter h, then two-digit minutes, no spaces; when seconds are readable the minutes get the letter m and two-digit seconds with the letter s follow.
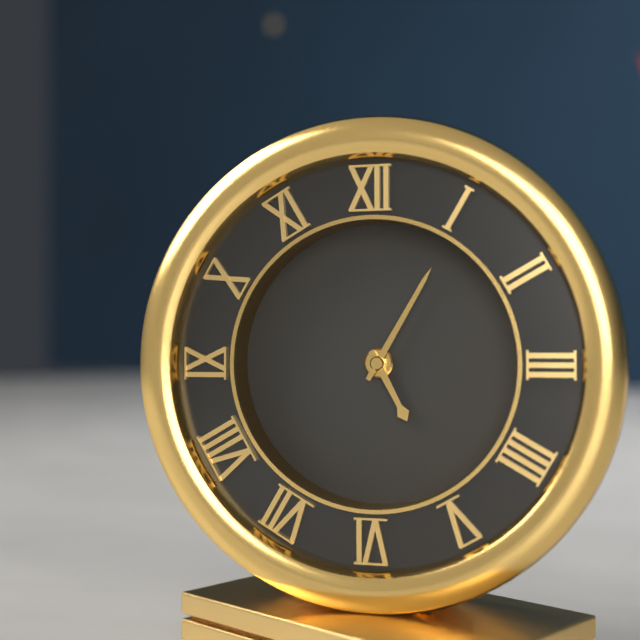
5h05
